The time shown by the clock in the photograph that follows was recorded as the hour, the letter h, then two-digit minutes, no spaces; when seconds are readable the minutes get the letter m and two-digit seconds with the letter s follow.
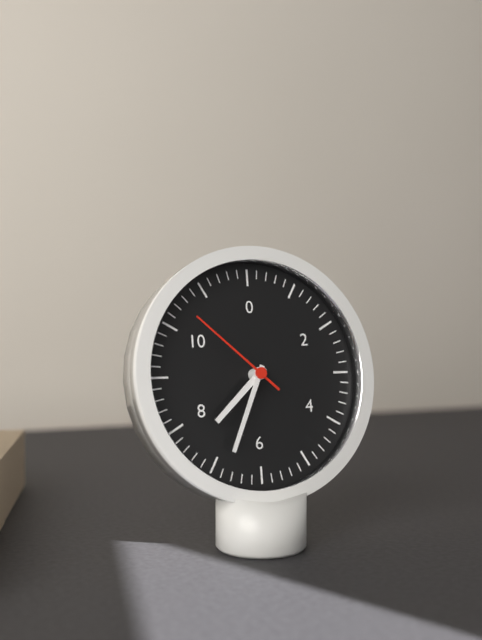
7h34m52s
